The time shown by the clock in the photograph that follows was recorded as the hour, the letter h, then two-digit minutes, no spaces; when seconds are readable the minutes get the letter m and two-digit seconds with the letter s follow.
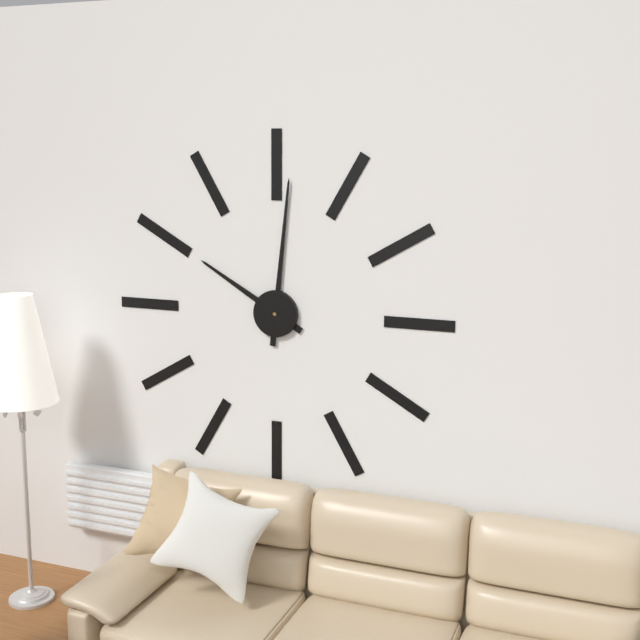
10h01
